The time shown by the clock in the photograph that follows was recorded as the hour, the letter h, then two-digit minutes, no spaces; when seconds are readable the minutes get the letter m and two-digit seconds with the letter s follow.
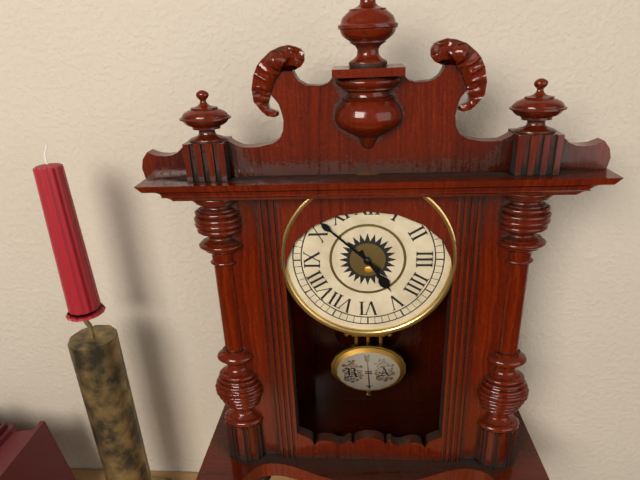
4h52
